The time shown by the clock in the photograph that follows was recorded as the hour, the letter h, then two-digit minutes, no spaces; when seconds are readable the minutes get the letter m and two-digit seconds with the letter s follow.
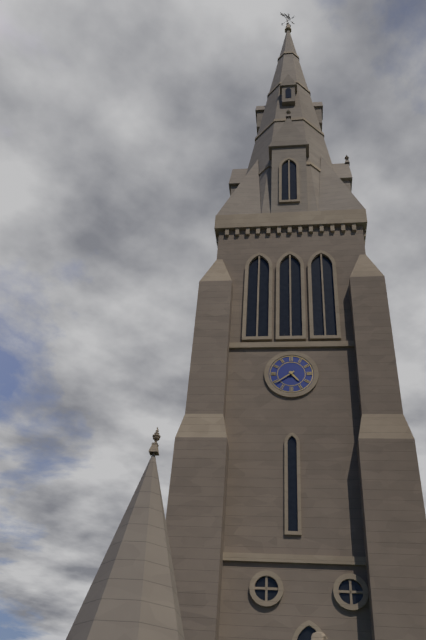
4h39
